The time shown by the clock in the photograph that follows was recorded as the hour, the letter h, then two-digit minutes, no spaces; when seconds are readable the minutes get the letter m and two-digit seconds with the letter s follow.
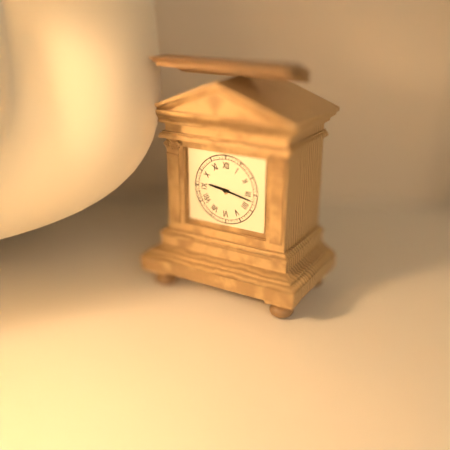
9h17
